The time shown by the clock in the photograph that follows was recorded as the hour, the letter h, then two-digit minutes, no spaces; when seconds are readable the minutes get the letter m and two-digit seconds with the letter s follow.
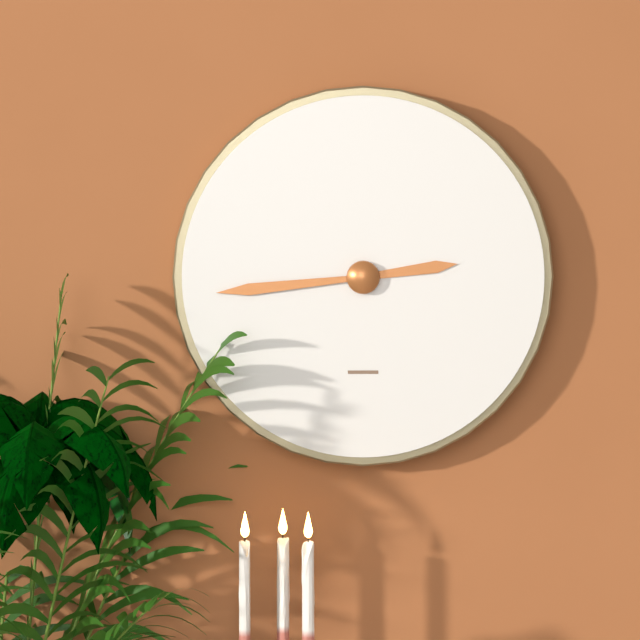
2h44
